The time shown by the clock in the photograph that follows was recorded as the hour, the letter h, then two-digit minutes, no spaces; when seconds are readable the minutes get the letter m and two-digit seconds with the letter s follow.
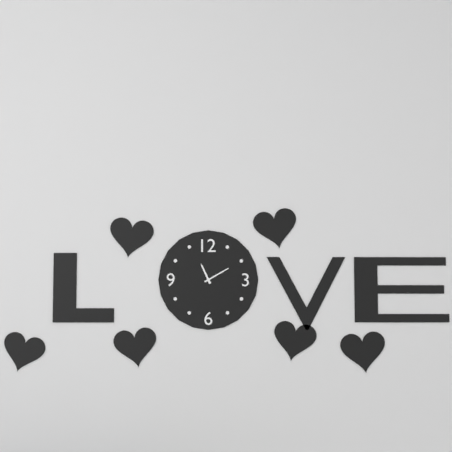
11h10
